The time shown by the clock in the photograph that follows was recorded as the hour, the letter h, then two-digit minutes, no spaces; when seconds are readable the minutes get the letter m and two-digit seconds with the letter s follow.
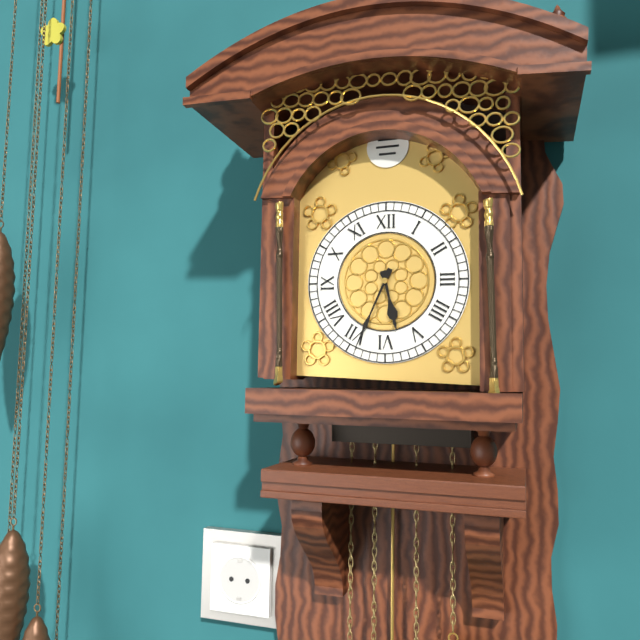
5h34
